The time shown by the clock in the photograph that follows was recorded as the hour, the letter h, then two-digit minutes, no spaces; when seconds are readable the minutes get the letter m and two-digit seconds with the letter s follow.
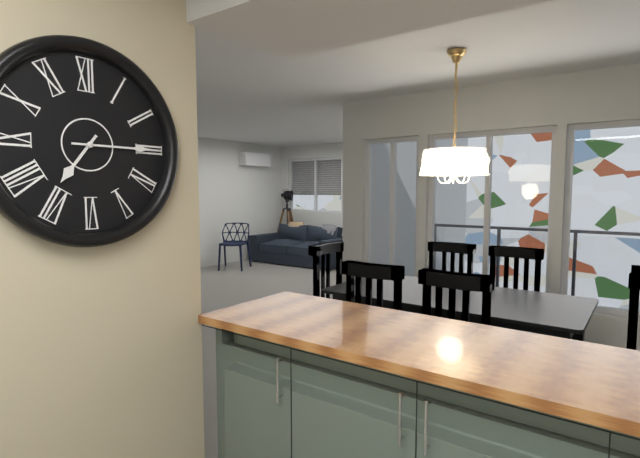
7h15
